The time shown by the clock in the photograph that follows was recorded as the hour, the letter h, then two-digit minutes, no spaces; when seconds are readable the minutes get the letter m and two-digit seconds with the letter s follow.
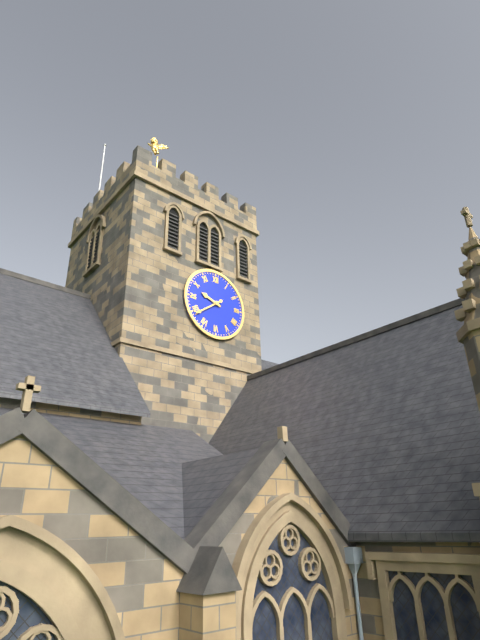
9h39
